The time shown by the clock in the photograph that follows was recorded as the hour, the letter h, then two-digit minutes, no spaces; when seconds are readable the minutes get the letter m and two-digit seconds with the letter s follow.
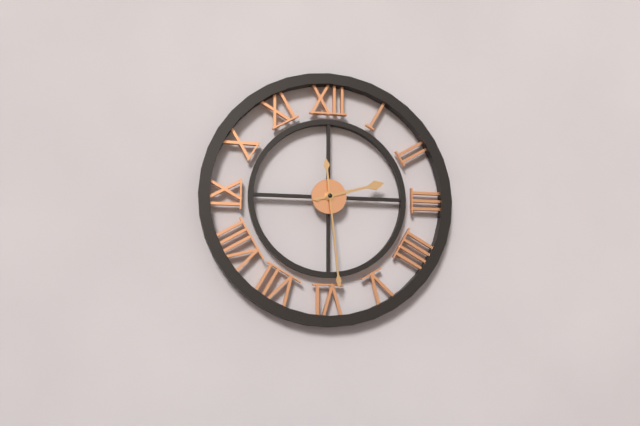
2h29
